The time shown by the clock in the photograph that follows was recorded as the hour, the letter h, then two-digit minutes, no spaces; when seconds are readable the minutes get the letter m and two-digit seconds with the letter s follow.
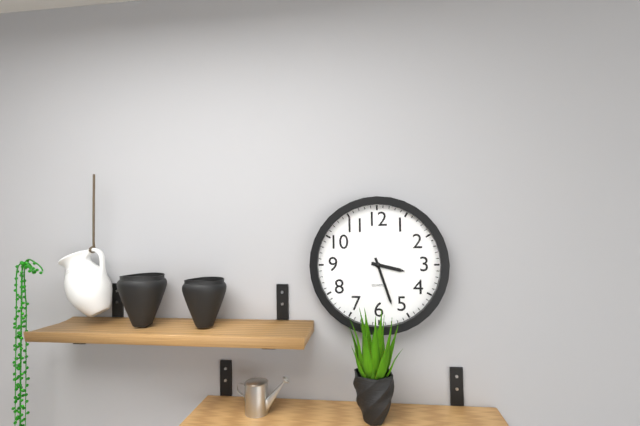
3h27
